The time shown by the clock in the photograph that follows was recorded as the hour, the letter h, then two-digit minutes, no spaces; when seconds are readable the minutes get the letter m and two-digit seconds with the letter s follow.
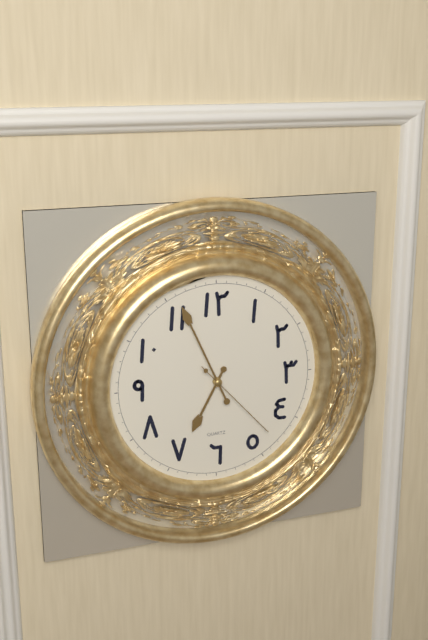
6h56m23s
